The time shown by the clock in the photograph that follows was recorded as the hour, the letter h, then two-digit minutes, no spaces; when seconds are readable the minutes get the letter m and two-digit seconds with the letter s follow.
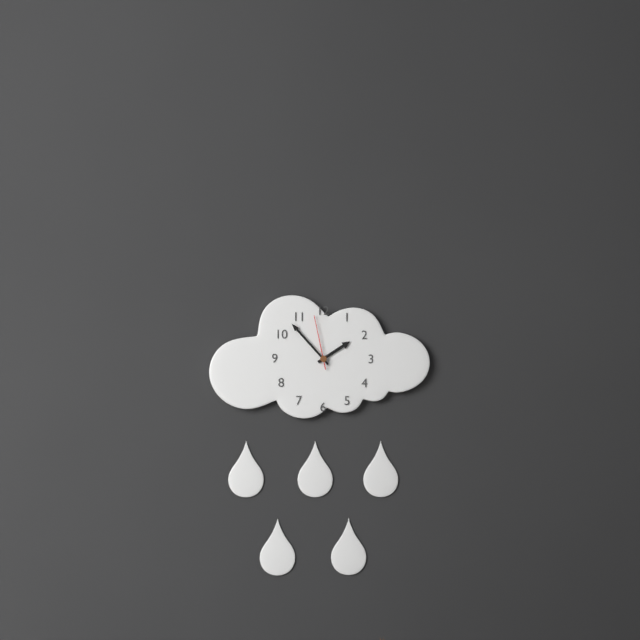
1h53m58s
